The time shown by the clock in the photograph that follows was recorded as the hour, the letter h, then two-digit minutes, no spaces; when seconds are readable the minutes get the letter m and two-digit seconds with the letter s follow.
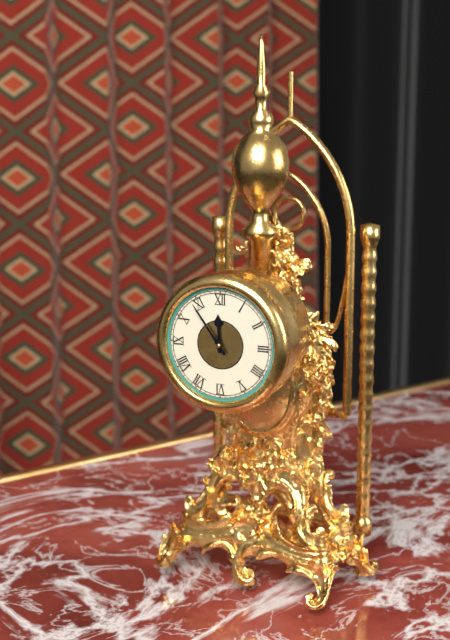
11h54
